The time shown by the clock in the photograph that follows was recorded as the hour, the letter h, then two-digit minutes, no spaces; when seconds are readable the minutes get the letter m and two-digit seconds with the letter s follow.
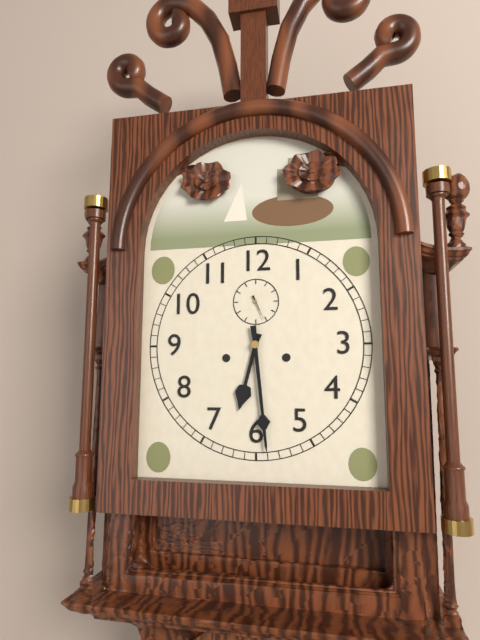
6h29
